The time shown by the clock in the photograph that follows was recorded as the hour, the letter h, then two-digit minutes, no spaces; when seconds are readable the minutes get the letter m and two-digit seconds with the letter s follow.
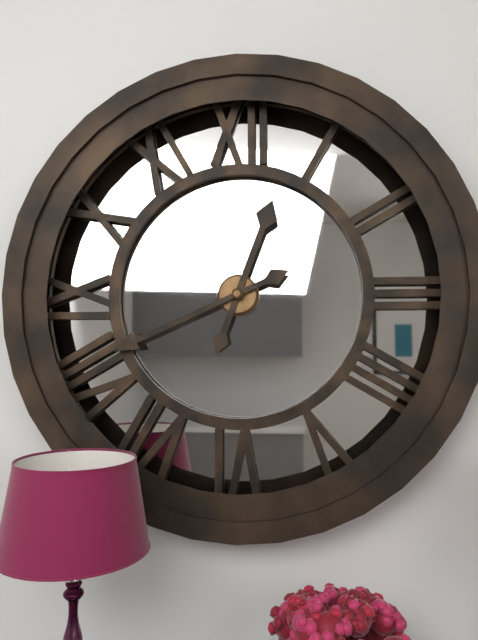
12h41
